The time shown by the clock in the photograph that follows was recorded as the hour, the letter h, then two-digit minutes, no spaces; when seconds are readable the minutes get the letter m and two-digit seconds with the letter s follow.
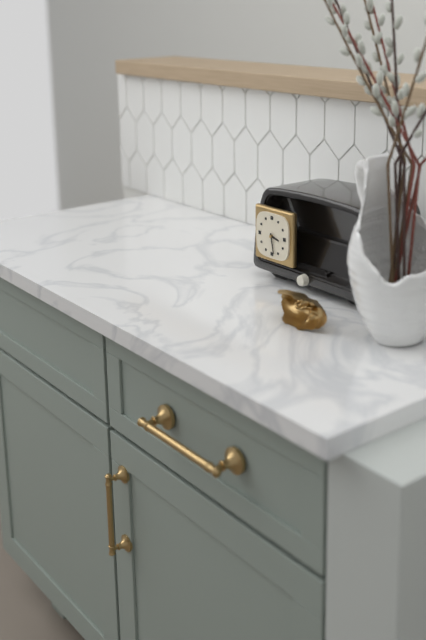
3h28
